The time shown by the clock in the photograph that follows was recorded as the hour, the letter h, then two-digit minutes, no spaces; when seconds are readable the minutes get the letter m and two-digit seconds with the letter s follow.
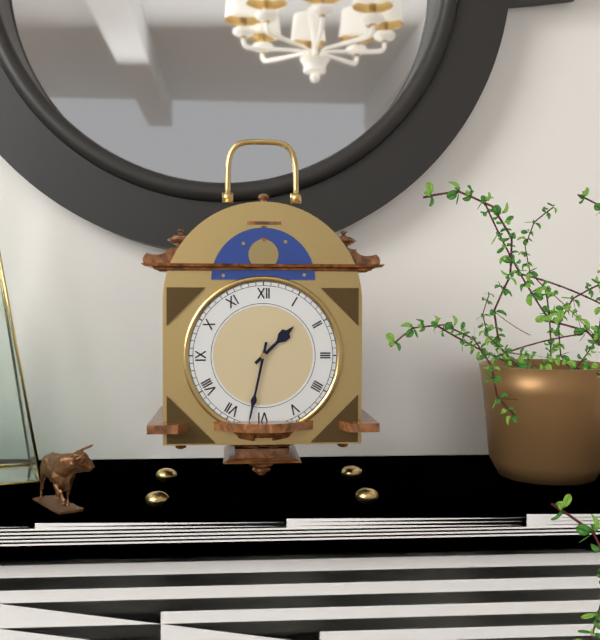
1h32
